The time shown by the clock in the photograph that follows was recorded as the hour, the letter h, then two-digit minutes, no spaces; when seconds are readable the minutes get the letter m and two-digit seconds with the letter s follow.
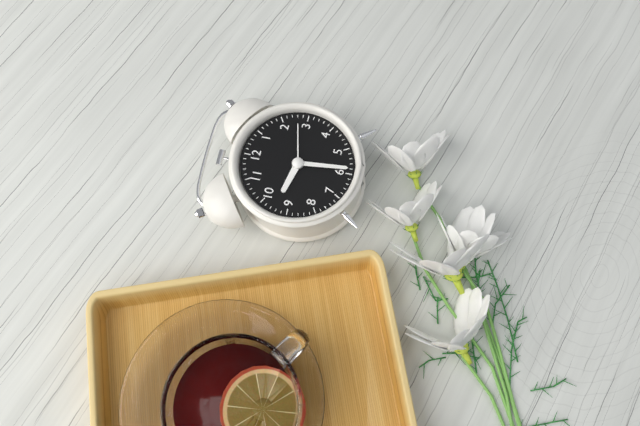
9h29
